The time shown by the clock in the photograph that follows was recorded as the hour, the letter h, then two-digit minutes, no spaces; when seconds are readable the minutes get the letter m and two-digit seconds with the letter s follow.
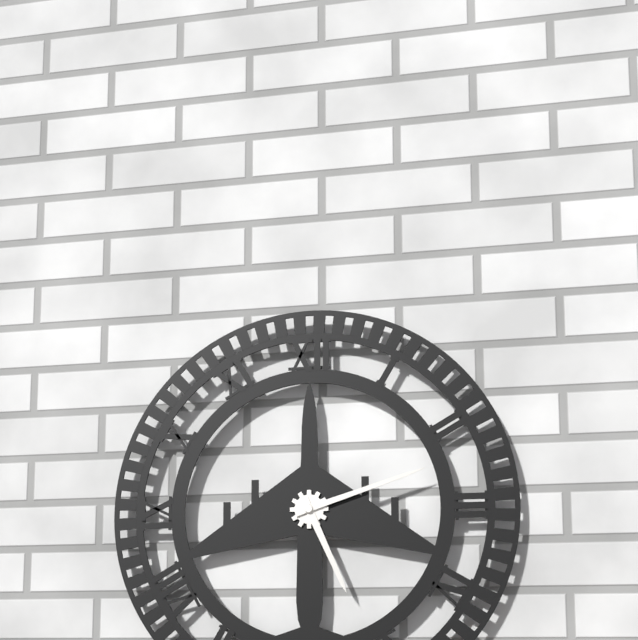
5h12
